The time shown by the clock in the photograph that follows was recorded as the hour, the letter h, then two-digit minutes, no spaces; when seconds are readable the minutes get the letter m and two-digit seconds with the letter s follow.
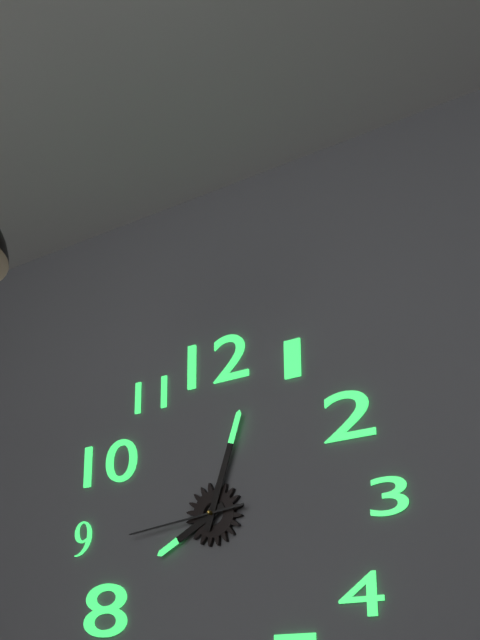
8h03m44s
